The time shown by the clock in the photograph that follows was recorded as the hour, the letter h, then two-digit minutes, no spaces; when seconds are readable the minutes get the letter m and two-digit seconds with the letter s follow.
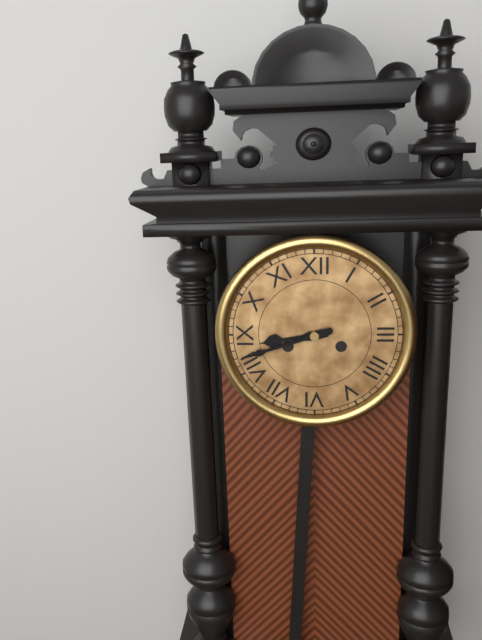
8h42
